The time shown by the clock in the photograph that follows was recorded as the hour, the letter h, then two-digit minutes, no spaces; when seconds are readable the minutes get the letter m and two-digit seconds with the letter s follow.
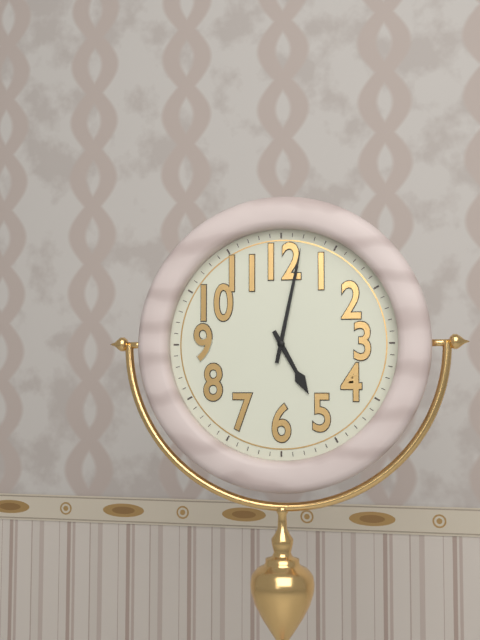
5h02
